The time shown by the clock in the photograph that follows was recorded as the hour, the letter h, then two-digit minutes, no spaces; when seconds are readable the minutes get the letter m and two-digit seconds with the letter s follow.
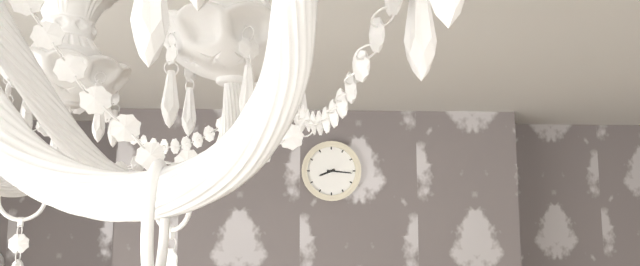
8h16
